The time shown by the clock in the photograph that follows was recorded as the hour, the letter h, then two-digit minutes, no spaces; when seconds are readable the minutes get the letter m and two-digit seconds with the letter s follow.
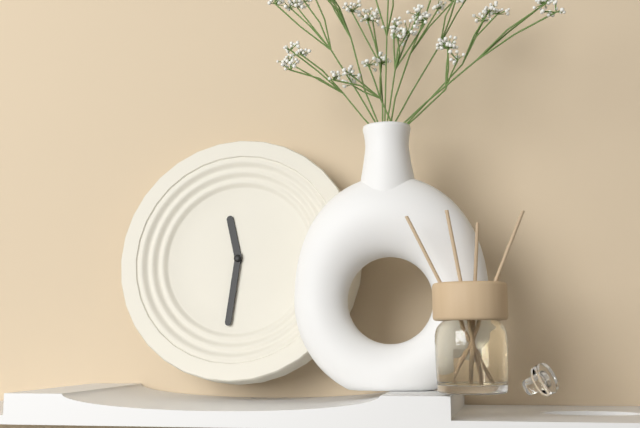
11h31
